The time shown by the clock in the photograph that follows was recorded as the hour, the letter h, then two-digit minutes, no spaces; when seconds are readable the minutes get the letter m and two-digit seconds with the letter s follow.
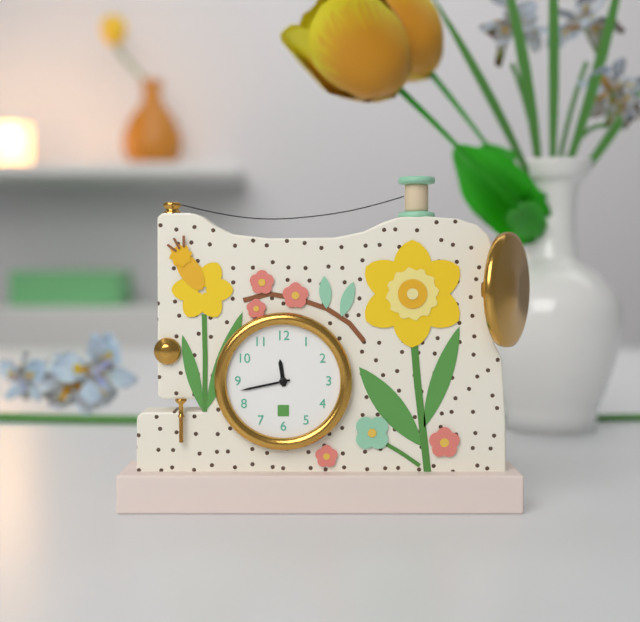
11h43
